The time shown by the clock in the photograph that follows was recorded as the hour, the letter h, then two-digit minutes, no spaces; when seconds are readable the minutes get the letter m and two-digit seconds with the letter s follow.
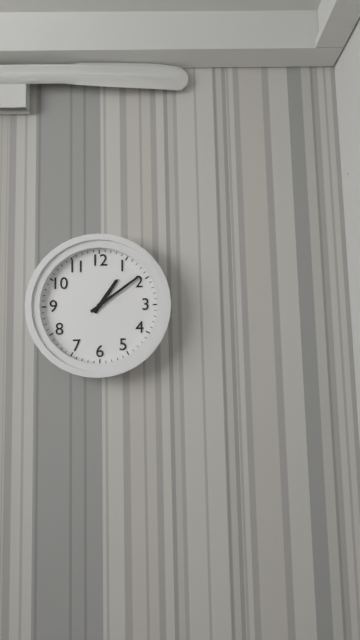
1h09
